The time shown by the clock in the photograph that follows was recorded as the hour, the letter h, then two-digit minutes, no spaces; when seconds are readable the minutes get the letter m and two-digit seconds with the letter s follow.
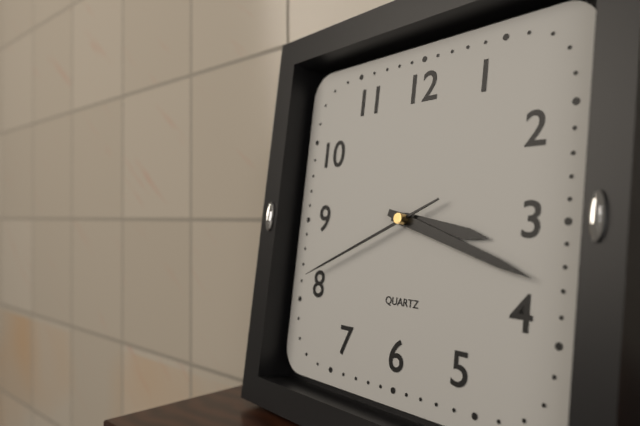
3h18m41s
